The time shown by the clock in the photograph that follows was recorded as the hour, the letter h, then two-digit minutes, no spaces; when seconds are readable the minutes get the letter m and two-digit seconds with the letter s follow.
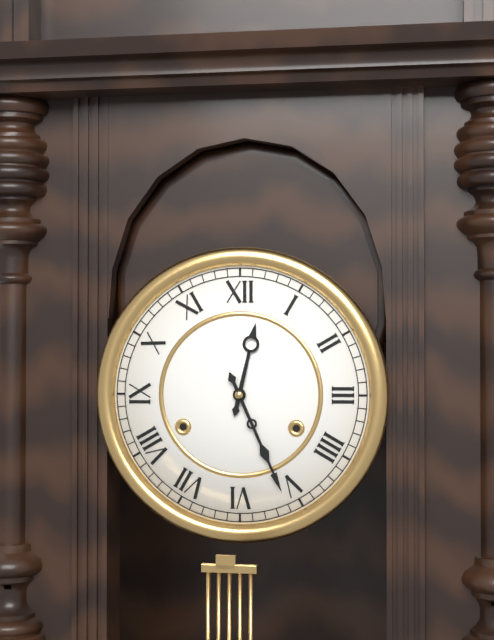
12h26
